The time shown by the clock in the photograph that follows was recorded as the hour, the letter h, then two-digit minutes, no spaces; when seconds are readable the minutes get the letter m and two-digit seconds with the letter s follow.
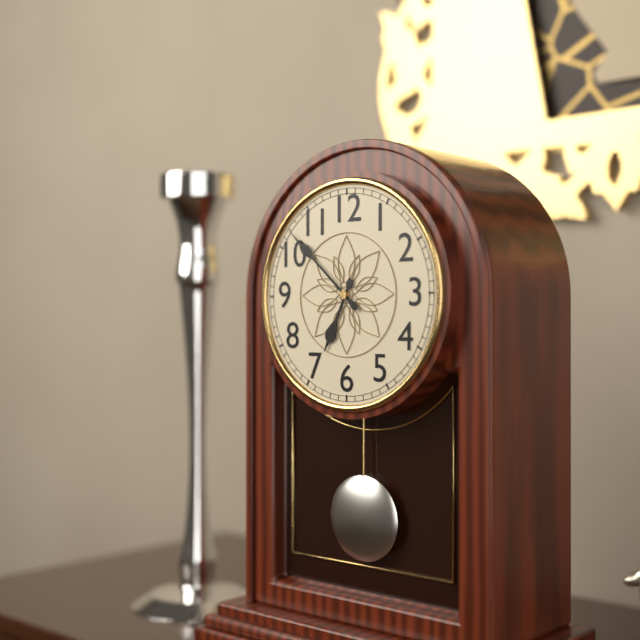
6h52
